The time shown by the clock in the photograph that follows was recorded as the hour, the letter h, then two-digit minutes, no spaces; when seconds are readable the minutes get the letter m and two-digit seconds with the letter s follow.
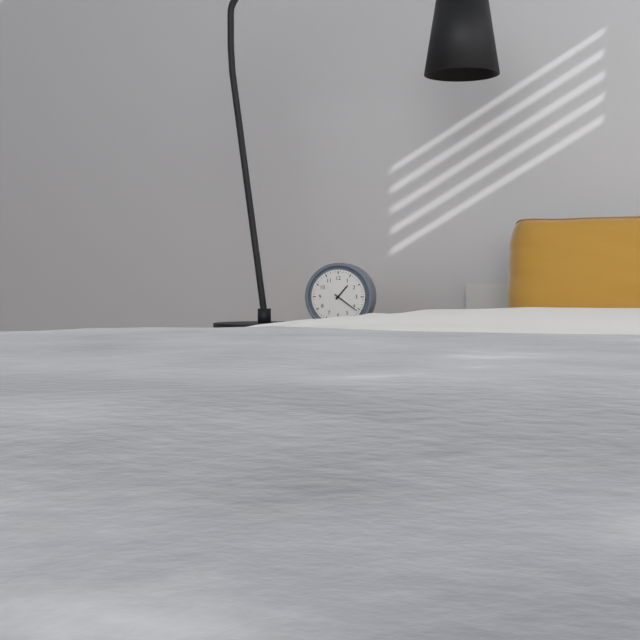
1h21
